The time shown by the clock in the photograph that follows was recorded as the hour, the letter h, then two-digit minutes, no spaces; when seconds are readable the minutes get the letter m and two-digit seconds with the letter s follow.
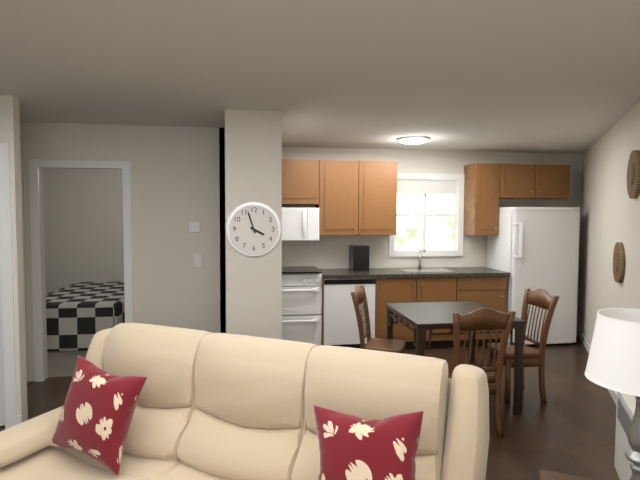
3h57
